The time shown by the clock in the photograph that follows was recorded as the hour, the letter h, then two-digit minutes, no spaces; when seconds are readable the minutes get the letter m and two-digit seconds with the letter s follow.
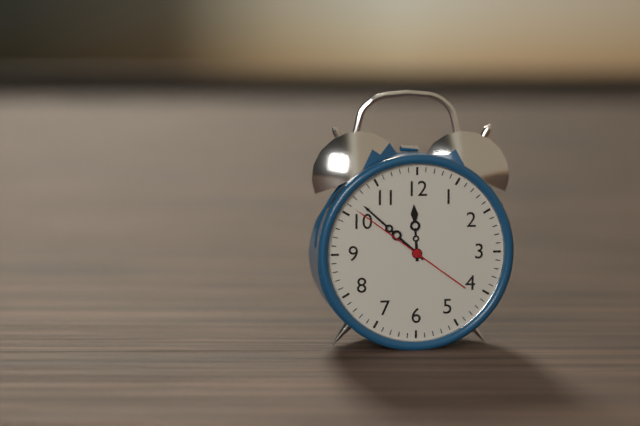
11h52m51s
